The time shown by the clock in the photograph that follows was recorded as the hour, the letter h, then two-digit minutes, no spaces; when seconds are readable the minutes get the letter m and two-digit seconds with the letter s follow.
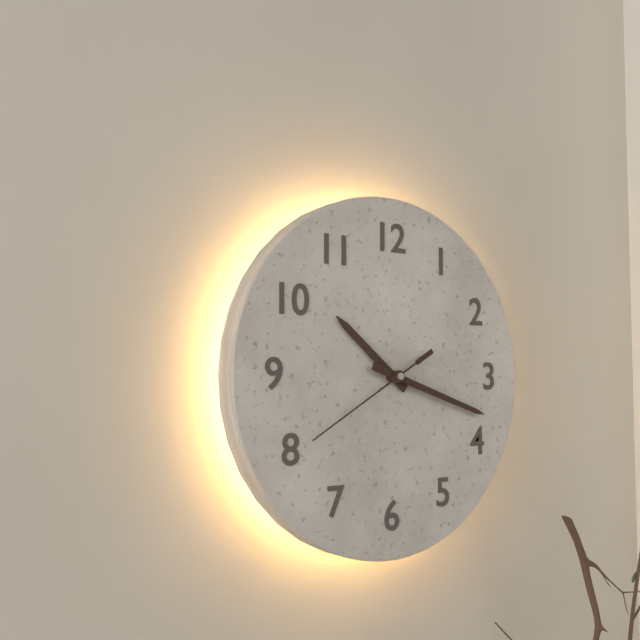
10h18m40s
